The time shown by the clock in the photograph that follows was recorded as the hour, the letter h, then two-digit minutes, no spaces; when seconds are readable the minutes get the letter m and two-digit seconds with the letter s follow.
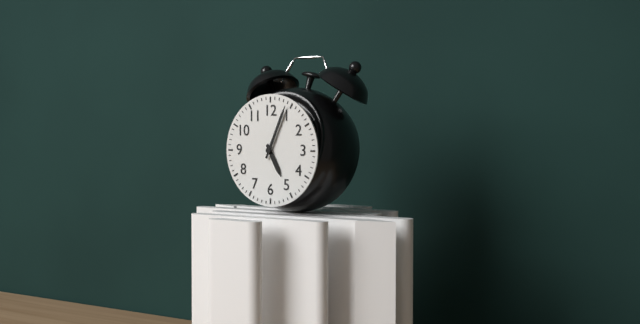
5h04
